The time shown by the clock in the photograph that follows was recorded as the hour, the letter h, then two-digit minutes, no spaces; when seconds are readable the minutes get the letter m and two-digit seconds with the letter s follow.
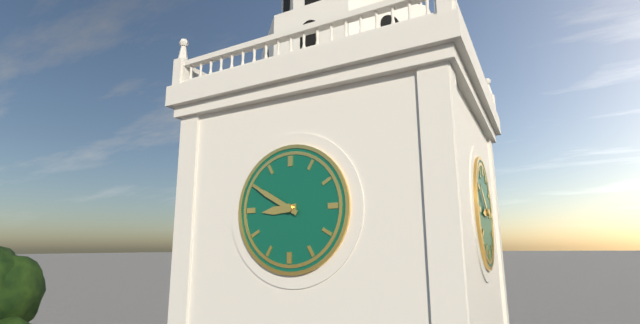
8h50
